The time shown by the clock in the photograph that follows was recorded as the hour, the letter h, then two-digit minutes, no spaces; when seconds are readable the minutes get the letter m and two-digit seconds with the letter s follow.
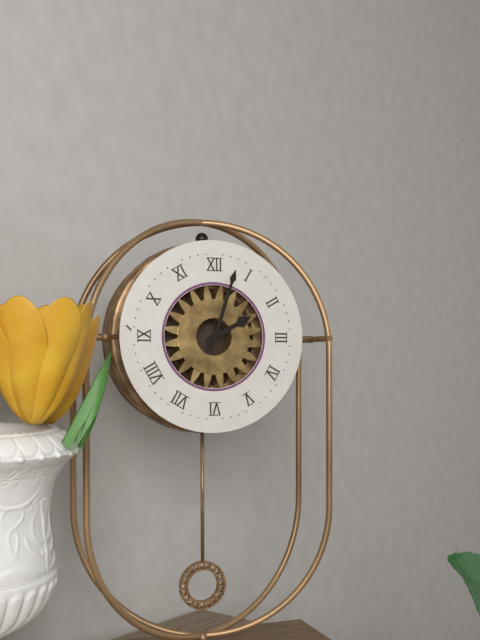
2h03
